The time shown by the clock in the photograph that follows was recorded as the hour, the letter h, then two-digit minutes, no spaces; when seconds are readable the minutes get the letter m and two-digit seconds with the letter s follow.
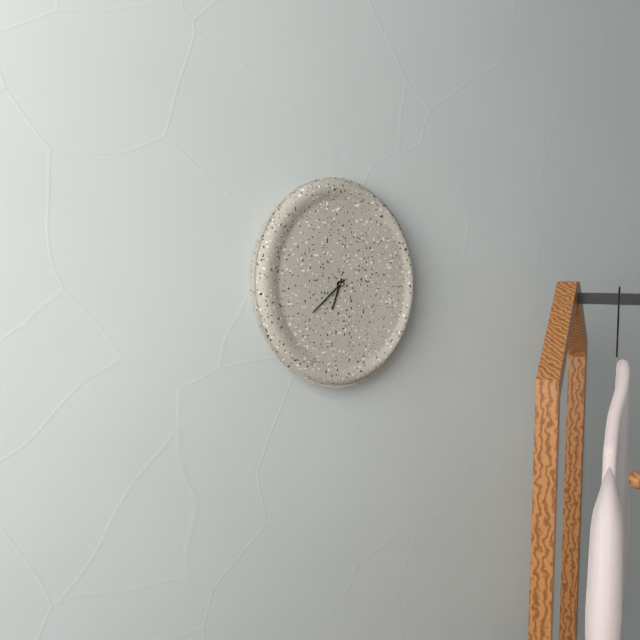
6h38
